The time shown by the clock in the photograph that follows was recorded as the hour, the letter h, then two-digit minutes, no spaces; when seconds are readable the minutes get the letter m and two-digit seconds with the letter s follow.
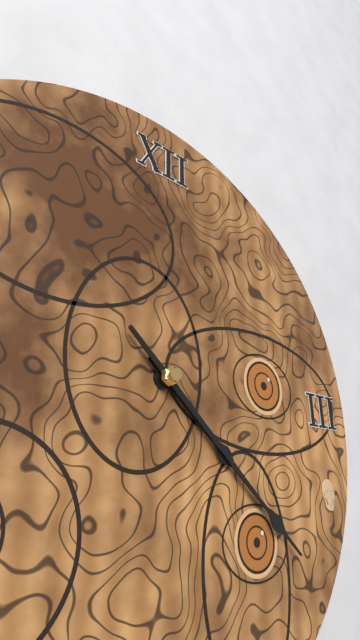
4h22
